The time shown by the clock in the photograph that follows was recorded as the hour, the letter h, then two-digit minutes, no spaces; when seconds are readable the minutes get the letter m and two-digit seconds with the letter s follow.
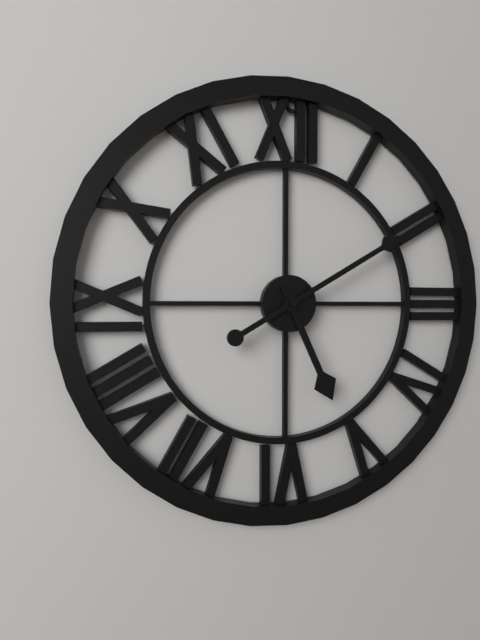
5h10
